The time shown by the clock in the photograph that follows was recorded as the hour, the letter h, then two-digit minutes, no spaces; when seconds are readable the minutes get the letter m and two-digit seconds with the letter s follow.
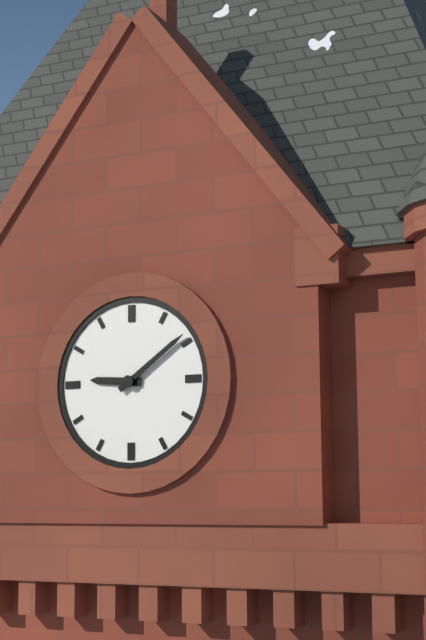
9h09
